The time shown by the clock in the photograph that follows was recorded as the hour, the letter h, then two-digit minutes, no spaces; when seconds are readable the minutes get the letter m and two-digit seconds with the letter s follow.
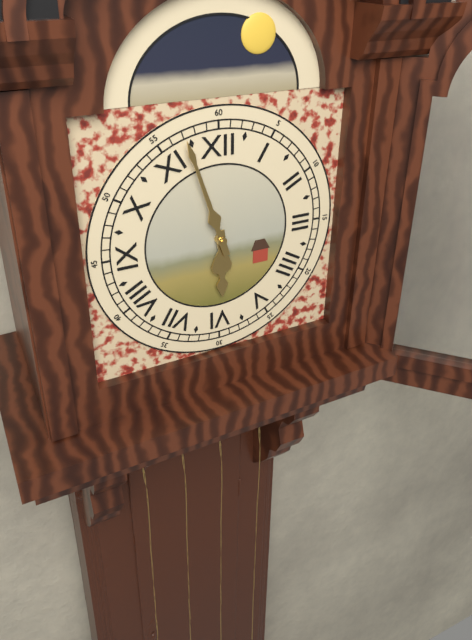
5h57
